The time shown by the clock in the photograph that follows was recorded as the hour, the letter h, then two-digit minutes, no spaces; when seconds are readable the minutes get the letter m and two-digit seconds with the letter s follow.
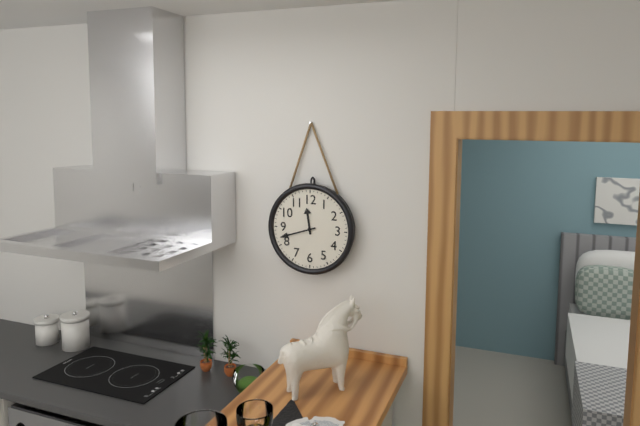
11h42
